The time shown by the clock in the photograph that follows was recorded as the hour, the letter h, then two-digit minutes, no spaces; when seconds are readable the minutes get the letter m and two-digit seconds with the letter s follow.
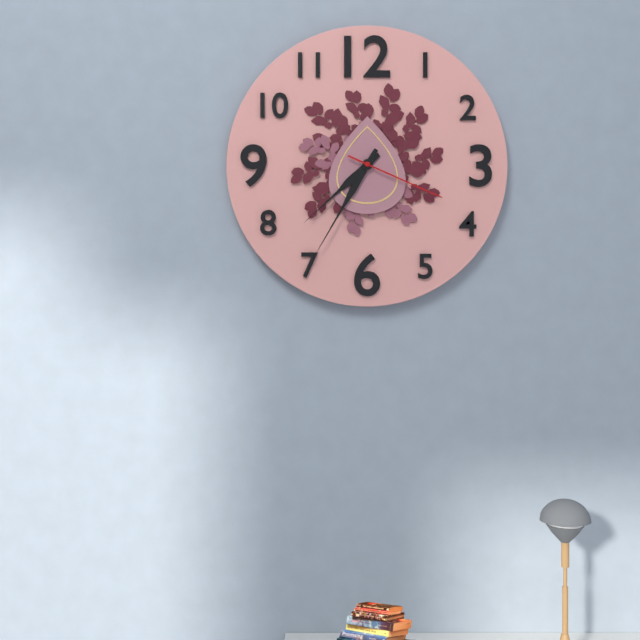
7h35m19s
